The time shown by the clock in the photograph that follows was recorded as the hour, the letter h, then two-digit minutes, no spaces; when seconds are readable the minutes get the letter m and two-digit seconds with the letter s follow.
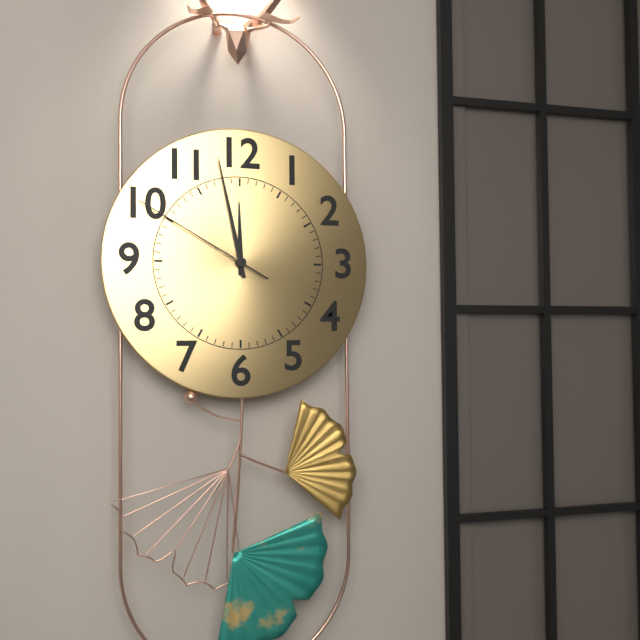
11h58m50s
